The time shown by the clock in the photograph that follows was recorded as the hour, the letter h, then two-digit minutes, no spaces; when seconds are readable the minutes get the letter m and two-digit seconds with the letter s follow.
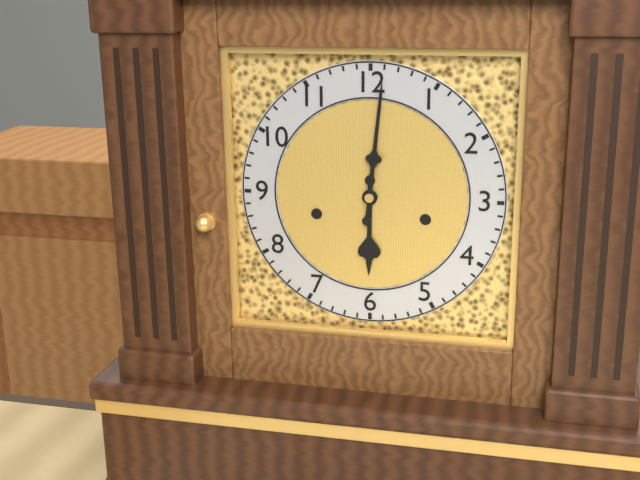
6h01
